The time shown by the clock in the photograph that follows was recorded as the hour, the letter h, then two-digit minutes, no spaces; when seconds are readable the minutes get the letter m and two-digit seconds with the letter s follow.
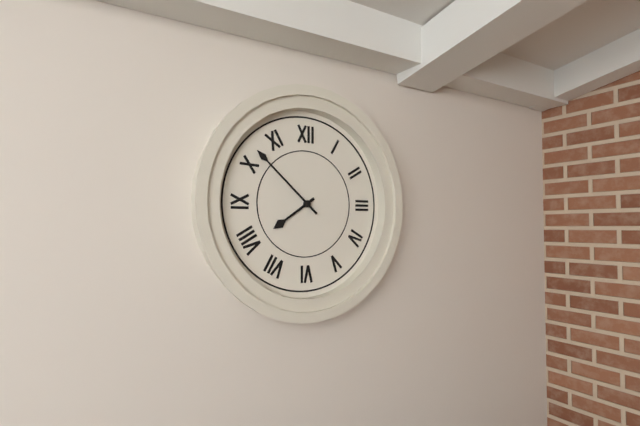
7h52
